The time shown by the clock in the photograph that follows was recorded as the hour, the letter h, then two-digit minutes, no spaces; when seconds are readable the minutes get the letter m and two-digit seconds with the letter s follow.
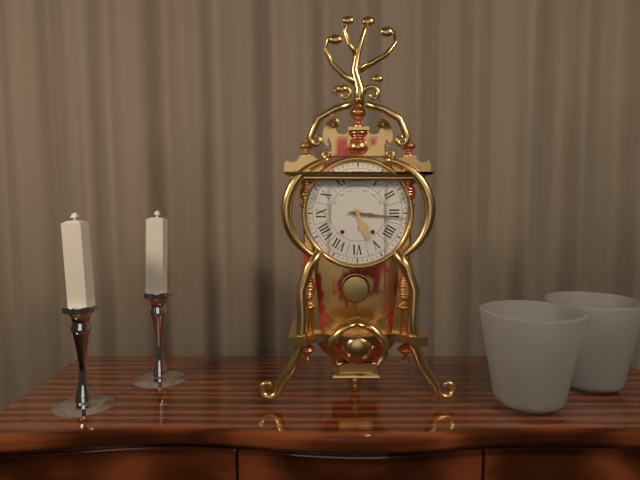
5h16
